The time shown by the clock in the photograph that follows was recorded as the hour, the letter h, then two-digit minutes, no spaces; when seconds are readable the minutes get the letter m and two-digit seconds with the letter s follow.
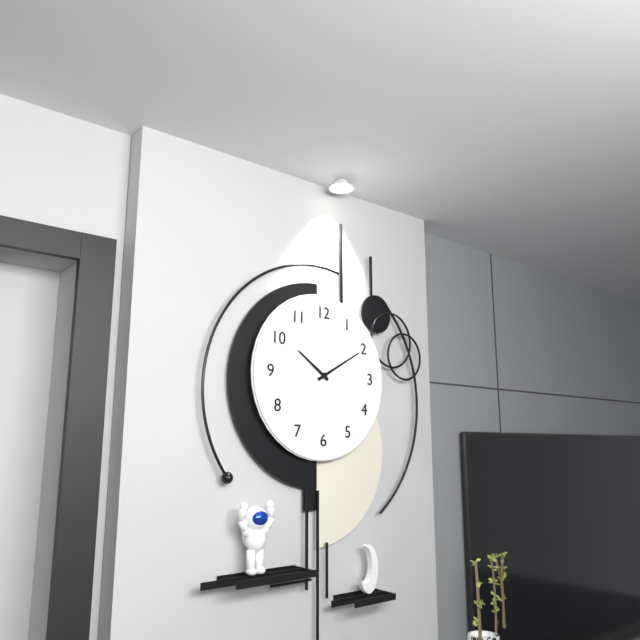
10h10
